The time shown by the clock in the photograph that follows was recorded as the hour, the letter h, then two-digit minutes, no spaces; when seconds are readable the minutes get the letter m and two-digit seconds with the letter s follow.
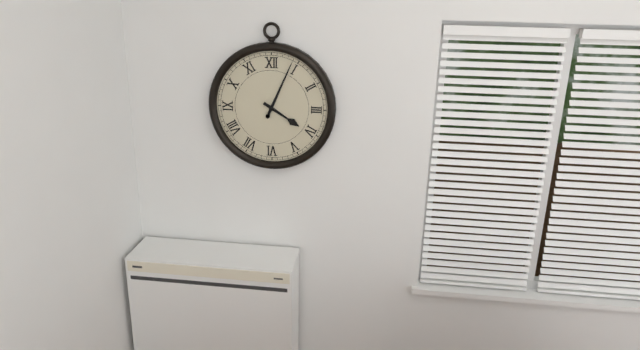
4h04
